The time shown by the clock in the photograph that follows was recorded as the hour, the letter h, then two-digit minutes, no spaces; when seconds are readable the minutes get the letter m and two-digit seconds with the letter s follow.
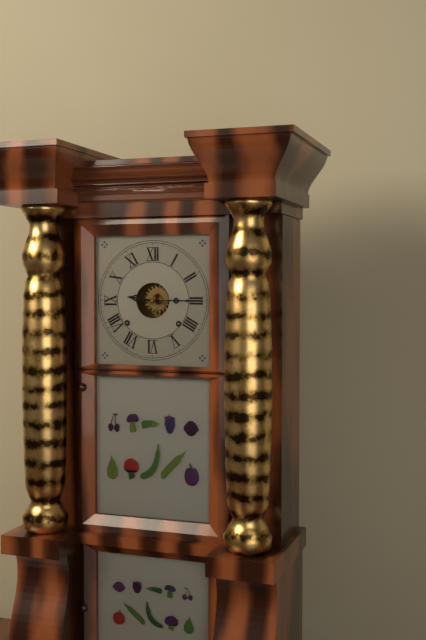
9h15
